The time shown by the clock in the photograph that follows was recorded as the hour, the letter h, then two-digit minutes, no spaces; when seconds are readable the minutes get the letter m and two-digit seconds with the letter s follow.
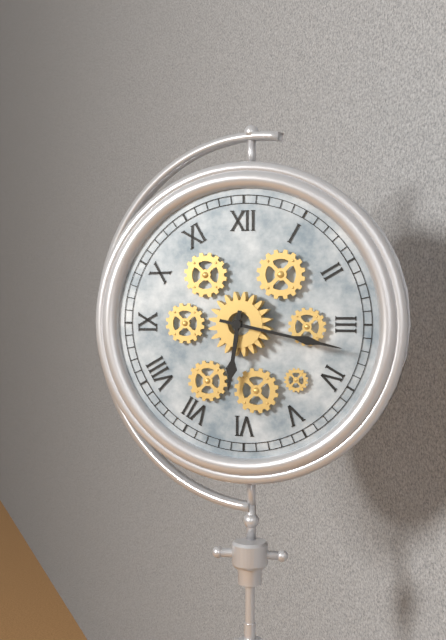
6h17
